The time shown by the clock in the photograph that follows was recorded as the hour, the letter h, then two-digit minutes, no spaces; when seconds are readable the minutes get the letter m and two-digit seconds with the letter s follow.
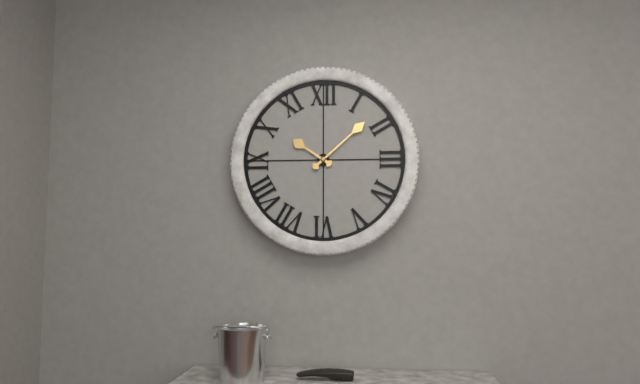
10h08
